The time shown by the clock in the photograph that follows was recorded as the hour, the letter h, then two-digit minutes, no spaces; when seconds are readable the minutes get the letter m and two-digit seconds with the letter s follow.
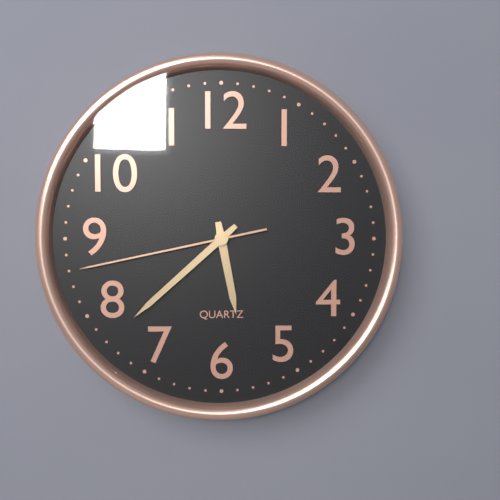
5h38m43s
